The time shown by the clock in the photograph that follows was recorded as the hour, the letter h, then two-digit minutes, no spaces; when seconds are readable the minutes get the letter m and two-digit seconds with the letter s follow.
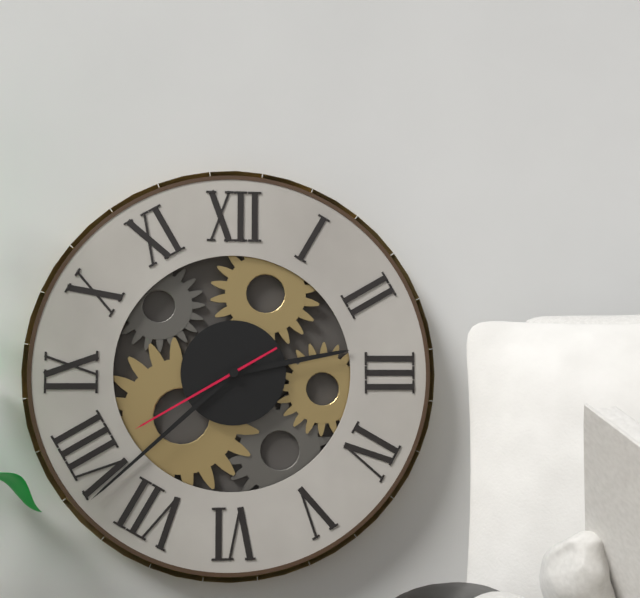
2h38m40s
